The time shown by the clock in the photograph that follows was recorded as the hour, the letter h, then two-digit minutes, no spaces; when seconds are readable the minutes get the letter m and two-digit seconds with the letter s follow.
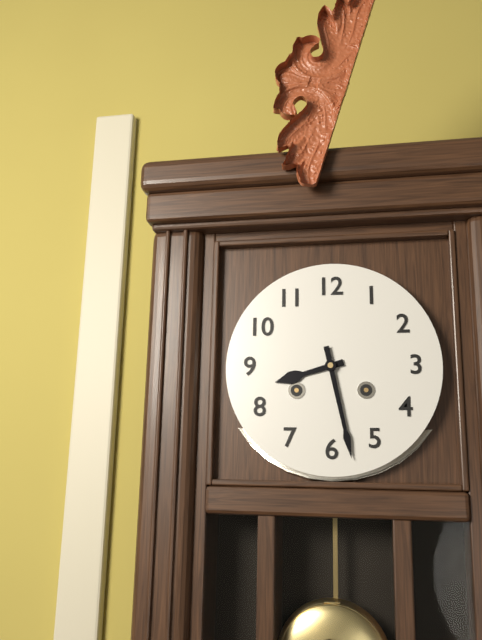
8h28
